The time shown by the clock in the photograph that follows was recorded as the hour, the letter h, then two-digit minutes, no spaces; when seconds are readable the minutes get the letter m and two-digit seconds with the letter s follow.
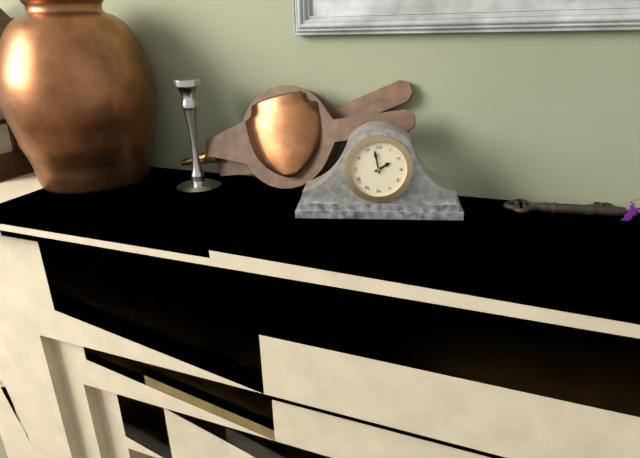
1h58
